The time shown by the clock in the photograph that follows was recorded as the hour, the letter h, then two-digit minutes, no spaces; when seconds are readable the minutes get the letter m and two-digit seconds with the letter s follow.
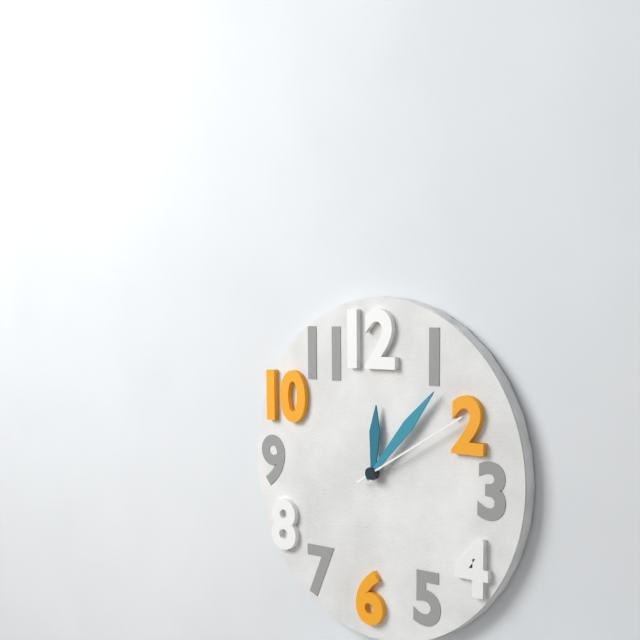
12h07m10s
